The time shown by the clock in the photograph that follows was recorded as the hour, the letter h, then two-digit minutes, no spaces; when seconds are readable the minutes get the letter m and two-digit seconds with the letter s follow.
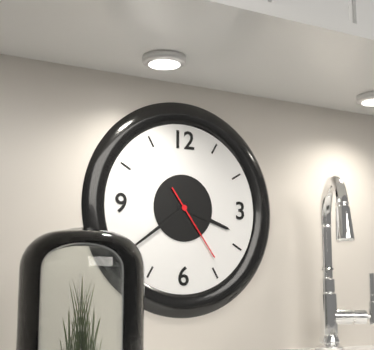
3h39m24s
